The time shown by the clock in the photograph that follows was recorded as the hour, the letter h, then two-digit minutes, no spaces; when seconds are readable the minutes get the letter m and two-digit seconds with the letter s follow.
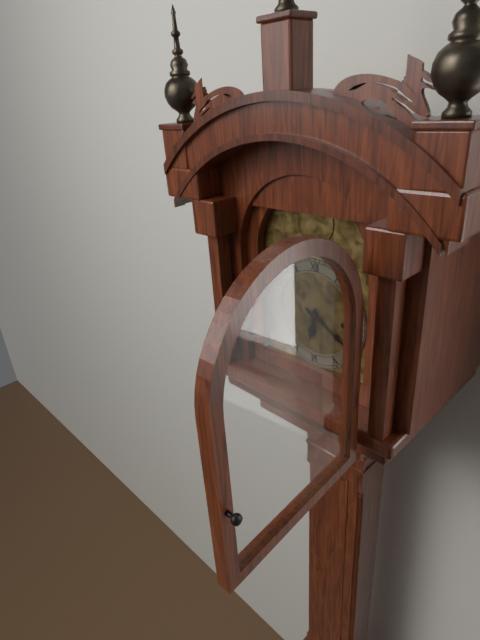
6h20
